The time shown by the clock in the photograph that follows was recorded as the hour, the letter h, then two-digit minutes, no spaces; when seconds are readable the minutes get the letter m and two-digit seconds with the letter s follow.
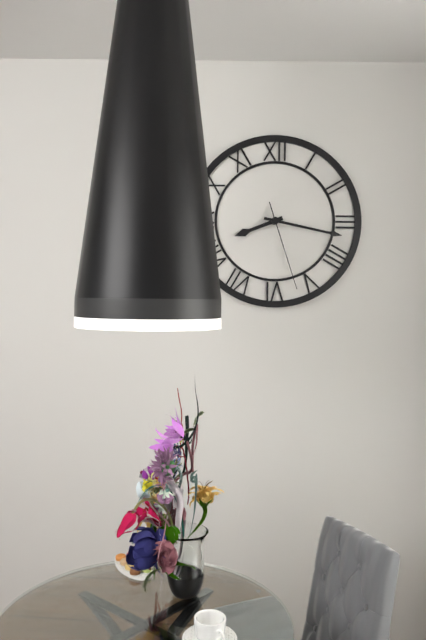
8h17m27s
